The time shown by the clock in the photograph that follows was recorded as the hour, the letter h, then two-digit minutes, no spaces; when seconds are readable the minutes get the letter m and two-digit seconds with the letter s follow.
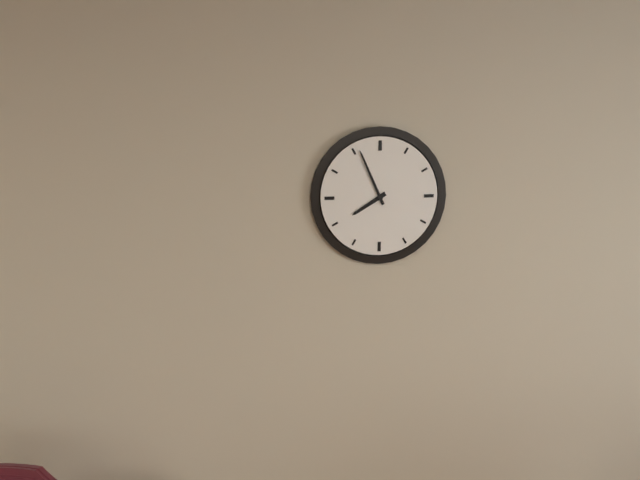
7h56
